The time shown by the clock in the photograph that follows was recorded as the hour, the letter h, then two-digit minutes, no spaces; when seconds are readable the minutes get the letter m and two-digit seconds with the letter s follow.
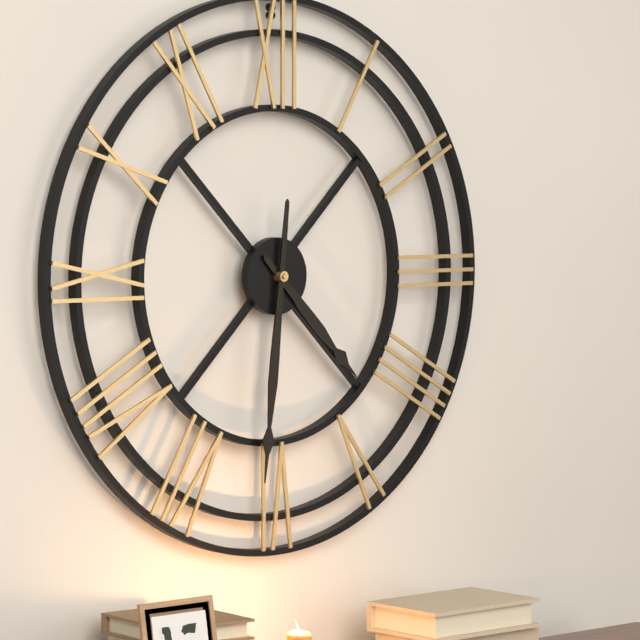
4h31
